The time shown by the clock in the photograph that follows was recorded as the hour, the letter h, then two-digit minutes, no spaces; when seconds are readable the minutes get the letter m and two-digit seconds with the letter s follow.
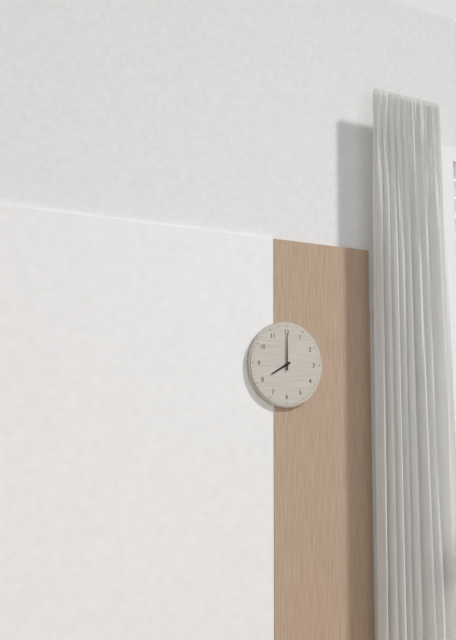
8h00
